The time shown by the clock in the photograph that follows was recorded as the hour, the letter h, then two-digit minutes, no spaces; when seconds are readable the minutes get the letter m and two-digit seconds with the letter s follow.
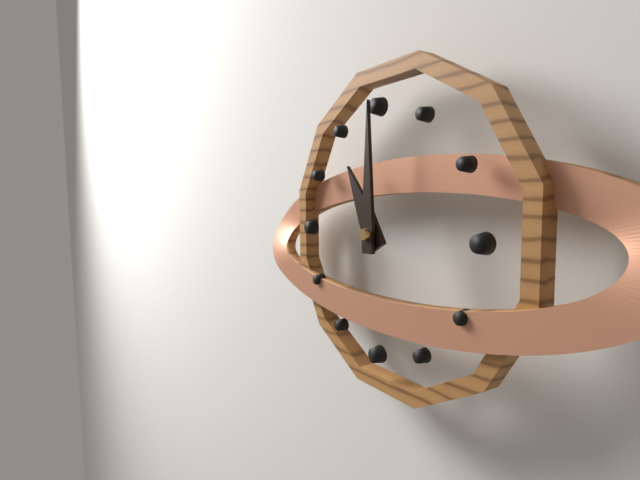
11h00
